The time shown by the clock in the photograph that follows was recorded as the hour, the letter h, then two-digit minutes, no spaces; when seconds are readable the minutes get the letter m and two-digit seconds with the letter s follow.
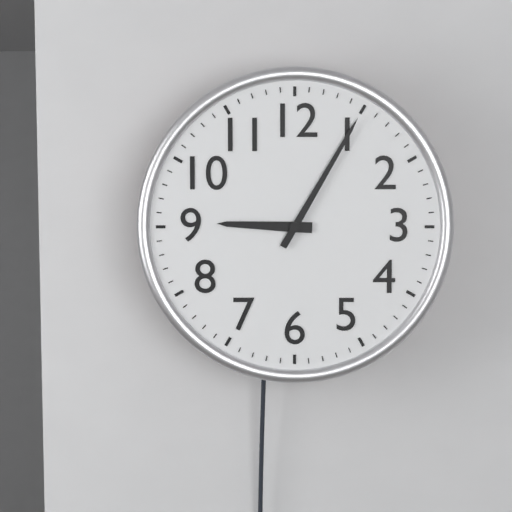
9h05
